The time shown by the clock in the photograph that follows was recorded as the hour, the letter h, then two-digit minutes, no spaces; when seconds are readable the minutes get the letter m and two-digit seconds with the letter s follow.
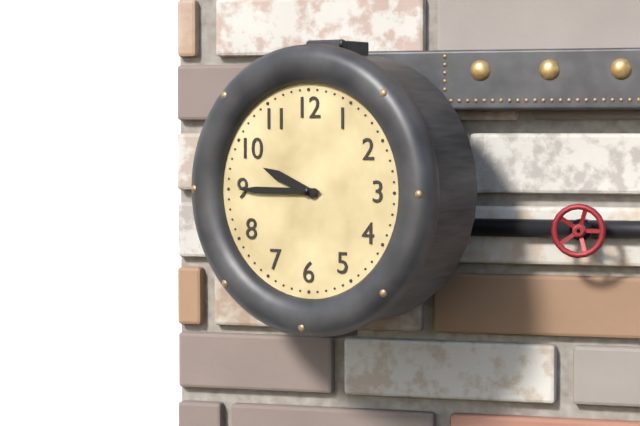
9h45
